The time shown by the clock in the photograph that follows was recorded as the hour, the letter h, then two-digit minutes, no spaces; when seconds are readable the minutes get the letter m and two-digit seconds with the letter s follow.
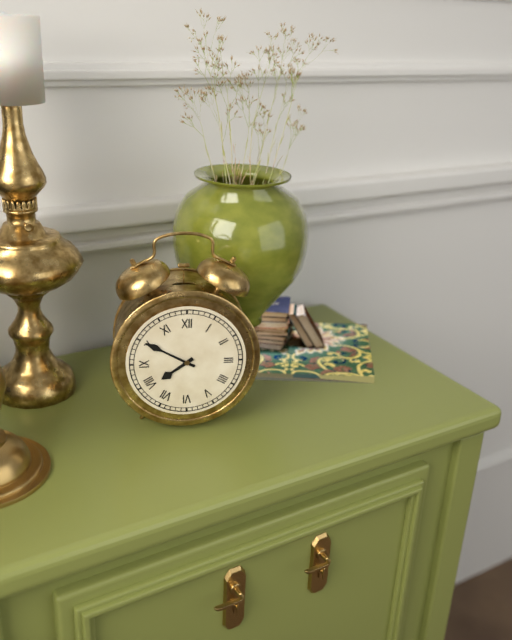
7h50
